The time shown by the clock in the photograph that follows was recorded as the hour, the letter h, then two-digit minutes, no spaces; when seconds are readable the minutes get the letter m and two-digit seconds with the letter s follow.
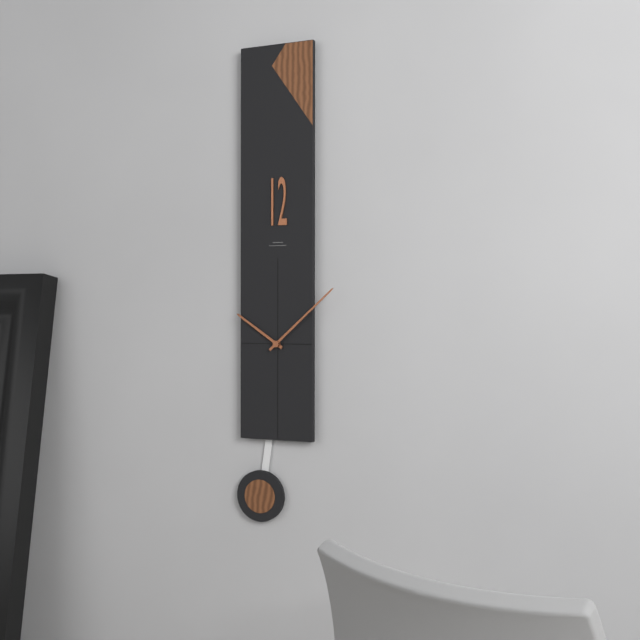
10h08
